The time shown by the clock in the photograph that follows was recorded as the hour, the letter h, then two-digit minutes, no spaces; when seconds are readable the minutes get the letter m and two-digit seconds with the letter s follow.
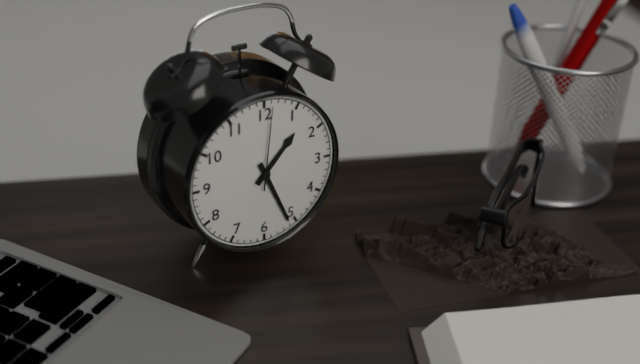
1h26m01s
